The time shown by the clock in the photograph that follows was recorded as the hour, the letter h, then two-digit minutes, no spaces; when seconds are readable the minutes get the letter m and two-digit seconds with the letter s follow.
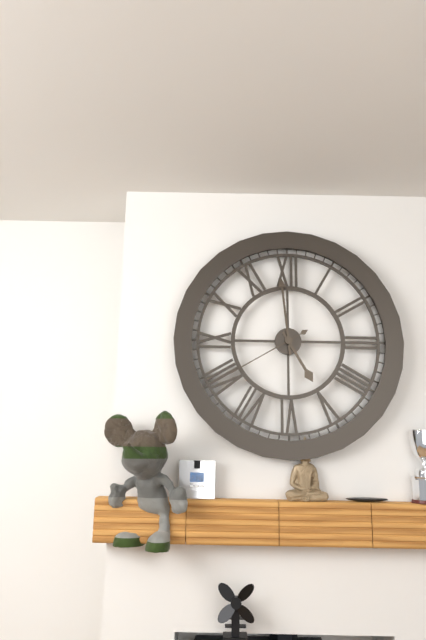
4h59m40s
